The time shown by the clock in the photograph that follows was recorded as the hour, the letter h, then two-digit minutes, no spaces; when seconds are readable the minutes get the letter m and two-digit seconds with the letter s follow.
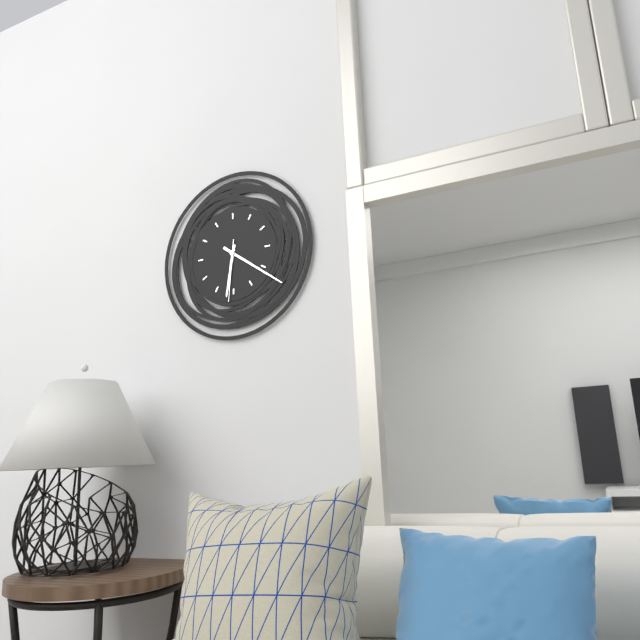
6h21m31s
